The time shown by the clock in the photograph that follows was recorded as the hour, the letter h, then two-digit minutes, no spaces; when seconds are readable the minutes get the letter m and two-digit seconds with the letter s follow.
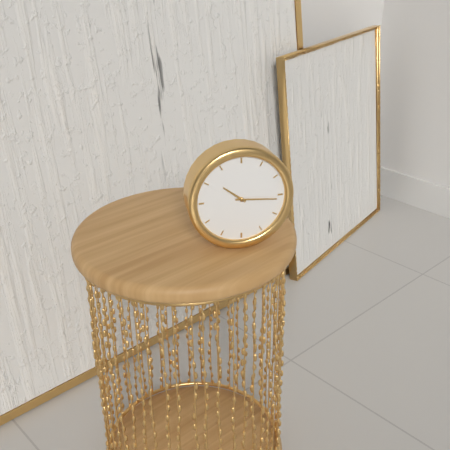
10h16
